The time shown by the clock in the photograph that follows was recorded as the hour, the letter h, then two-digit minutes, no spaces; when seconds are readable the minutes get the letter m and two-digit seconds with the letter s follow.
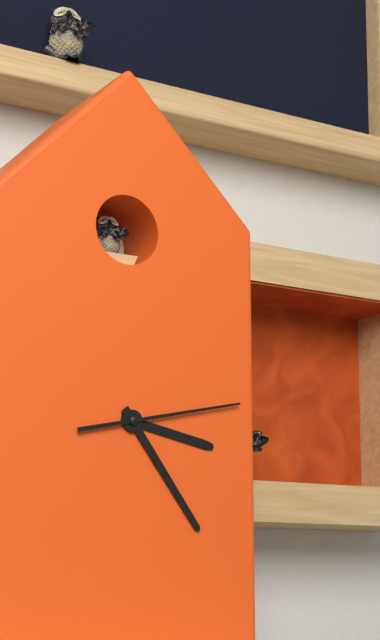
3h24m13s
